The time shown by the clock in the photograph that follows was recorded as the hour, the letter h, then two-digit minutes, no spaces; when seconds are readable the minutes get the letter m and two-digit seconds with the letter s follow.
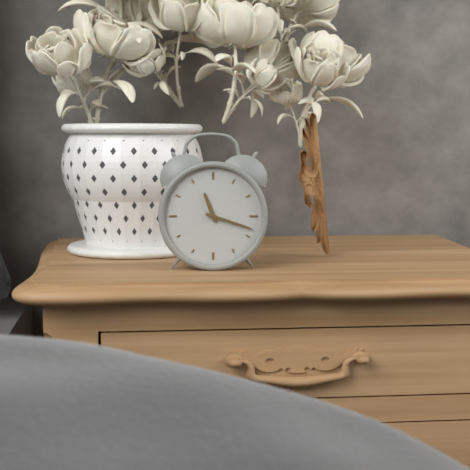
11h18
